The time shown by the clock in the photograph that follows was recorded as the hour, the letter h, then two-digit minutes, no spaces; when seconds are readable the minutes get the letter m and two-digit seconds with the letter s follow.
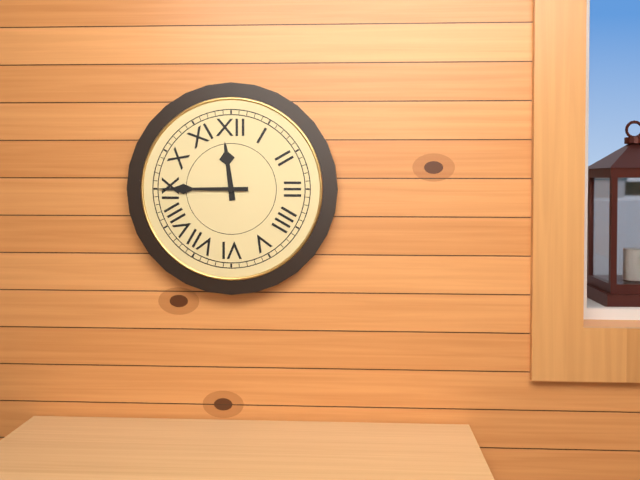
11h45
